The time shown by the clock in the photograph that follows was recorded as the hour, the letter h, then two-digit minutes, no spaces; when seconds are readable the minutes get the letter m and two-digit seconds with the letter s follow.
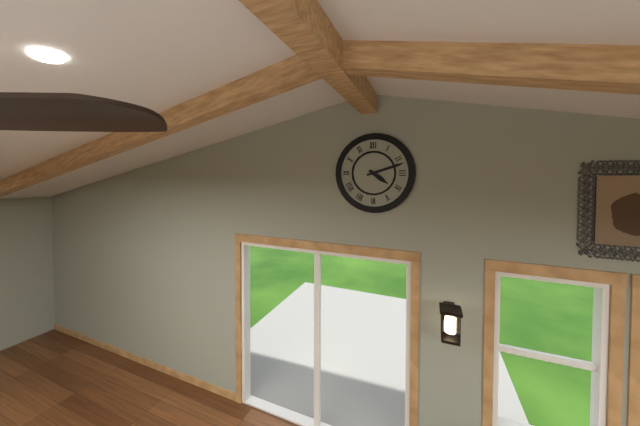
4h12
